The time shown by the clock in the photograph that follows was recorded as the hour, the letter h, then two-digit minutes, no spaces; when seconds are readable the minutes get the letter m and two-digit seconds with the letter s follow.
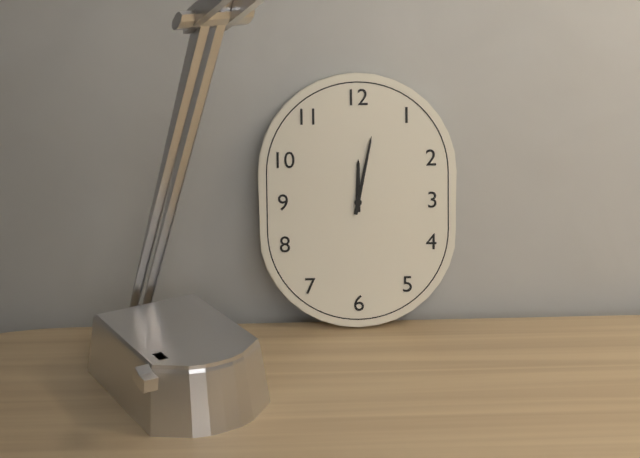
12h02
